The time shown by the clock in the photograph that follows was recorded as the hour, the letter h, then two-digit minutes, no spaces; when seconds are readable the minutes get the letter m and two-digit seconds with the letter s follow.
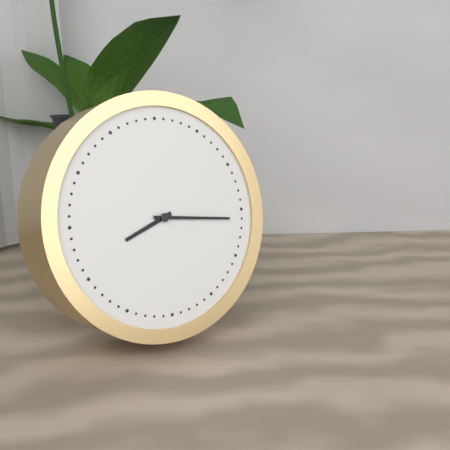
8h16
